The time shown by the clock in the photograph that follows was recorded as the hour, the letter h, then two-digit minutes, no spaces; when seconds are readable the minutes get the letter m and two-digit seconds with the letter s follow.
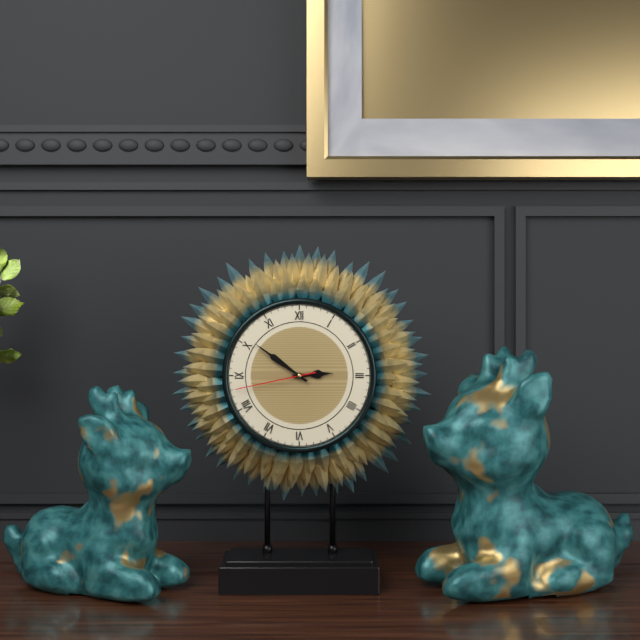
2h51m43s
